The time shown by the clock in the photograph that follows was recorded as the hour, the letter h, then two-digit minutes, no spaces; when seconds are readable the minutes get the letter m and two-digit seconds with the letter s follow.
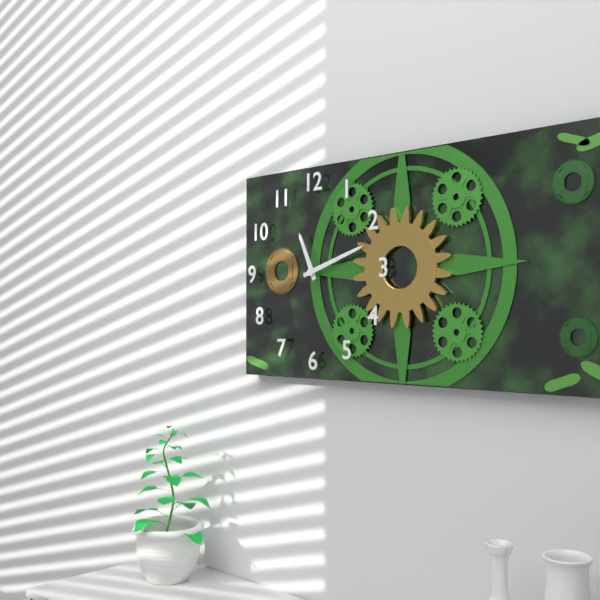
11h12
